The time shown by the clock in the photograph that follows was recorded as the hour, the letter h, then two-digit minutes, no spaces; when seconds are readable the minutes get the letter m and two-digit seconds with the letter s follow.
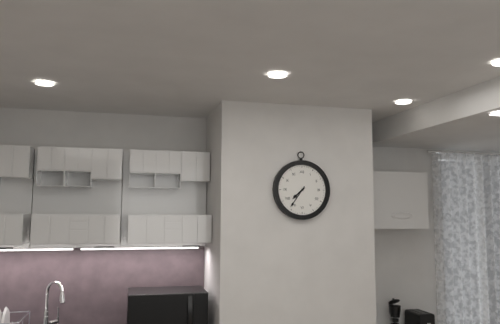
7h36
